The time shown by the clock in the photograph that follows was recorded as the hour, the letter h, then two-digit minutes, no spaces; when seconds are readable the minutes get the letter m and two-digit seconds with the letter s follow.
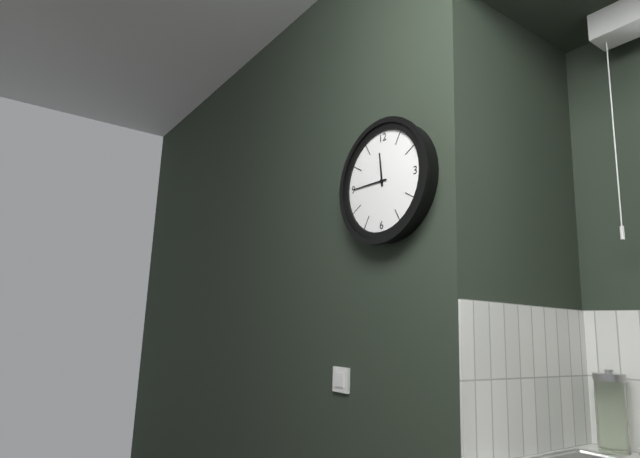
11h45
